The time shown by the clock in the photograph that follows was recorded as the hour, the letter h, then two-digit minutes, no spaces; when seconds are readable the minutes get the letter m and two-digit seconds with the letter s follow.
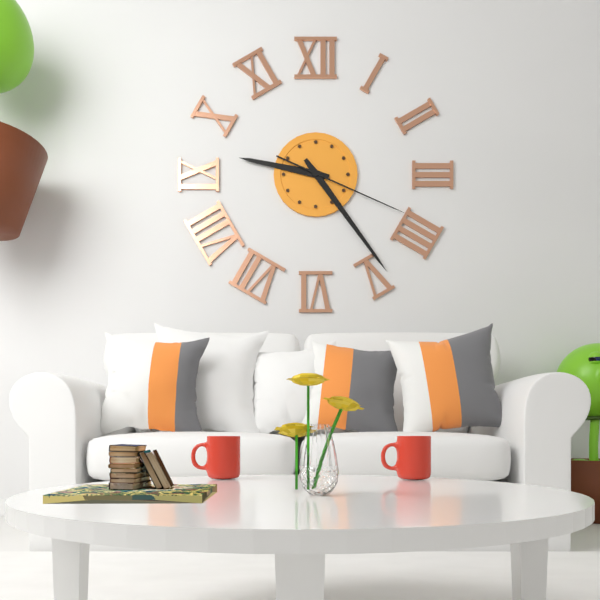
9h24m19s
